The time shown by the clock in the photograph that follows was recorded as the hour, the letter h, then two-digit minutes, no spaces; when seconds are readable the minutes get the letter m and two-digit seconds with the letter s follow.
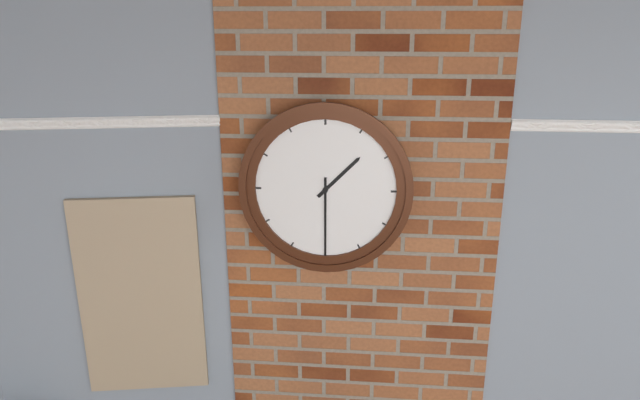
1h30
